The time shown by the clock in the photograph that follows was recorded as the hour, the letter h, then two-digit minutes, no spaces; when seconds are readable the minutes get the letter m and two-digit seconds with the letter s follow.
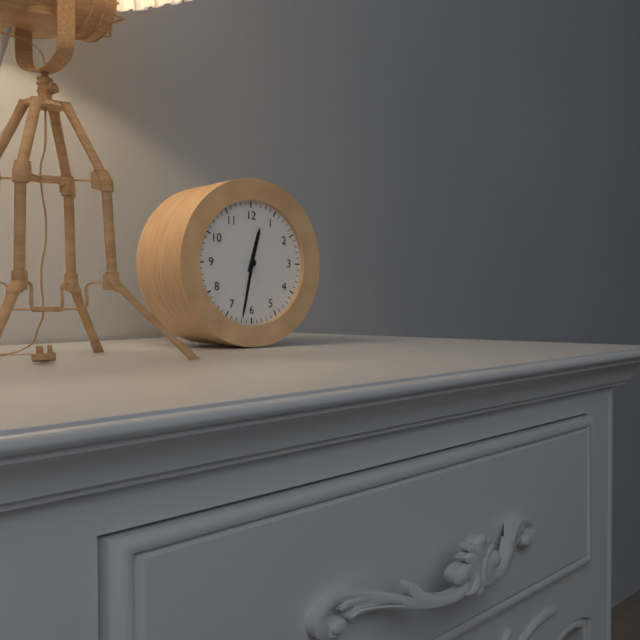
12h32
